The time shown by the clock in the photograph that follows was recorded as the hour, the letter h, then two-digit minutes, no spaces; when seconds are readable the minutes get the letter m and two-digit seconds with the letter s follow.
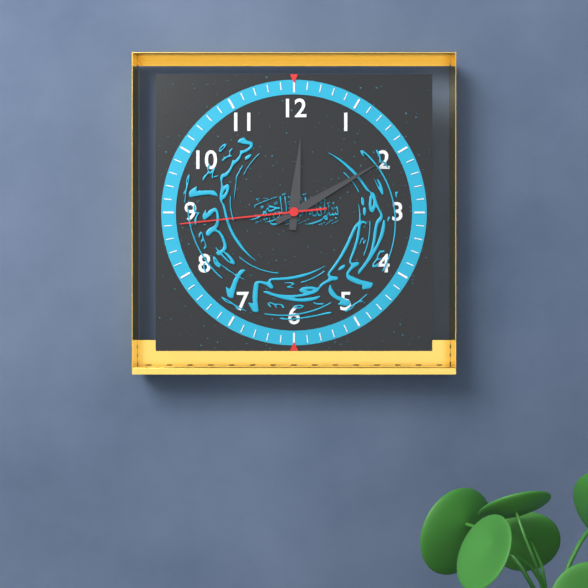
12h10m44s
